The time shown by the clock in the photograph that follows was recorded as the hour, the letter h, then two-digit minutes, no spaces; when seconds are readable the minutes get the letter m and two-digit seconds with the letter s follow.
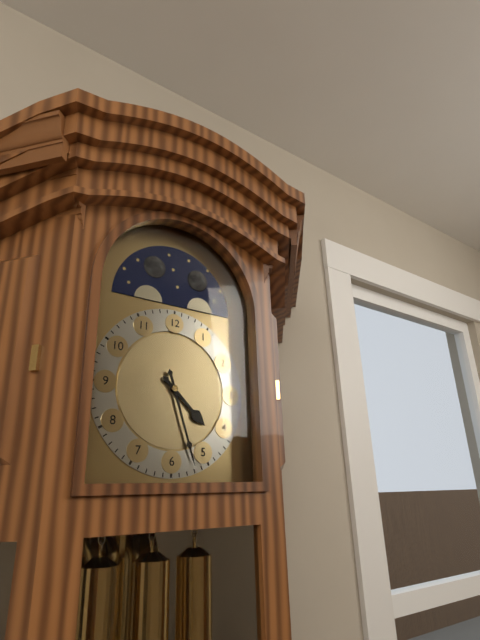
4h27
